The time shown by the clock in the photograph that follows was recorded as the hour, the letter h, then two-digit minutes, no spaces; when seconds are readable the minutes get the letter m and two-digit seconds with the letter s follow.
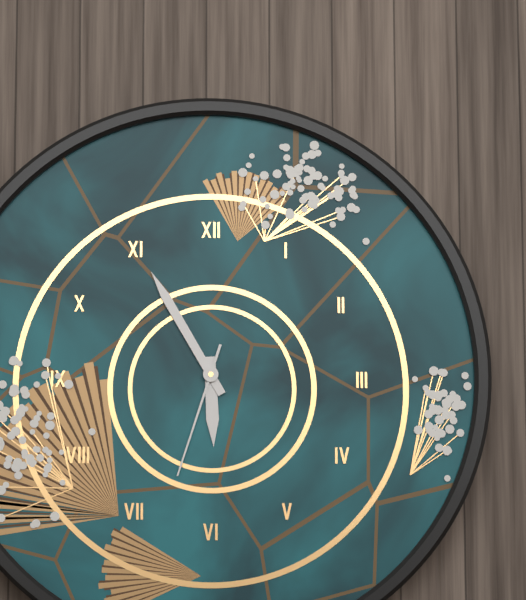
5h55m33s
